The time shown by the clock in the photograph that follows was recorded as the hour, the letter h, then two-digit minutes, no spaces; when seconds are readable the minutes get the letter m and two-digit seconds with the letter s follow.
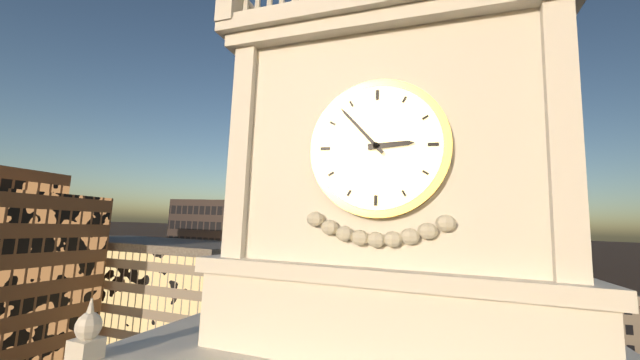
2h53
